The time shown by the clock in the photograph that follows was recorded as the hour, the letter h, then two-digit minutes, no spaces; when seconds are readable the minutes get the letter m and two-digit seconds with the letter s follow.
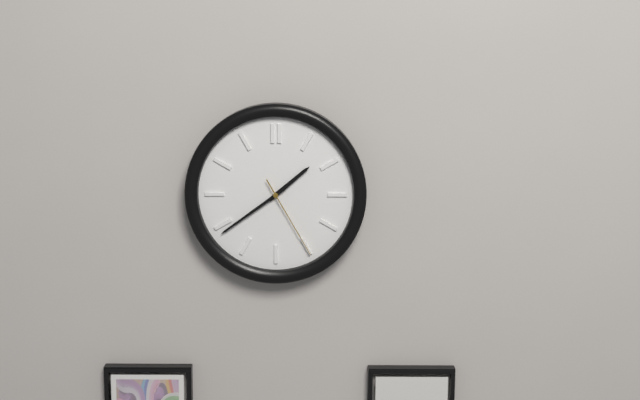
1h39m25s
